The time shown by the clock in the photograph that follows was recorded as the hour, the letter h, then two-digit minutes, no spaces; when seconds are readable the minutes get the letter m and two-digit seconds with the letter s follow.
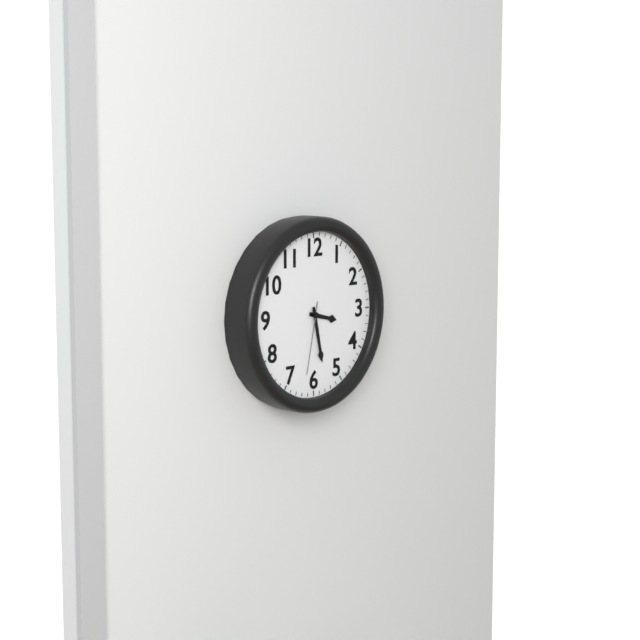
3h28m32s
